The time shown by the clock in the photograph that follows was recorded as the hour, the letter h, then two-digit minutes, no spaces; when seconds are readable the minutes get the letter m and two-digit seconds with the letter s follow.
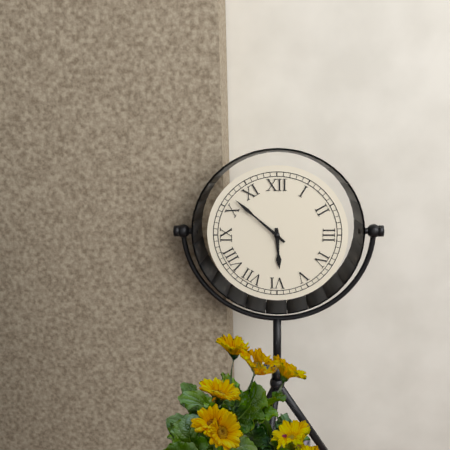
5h52
